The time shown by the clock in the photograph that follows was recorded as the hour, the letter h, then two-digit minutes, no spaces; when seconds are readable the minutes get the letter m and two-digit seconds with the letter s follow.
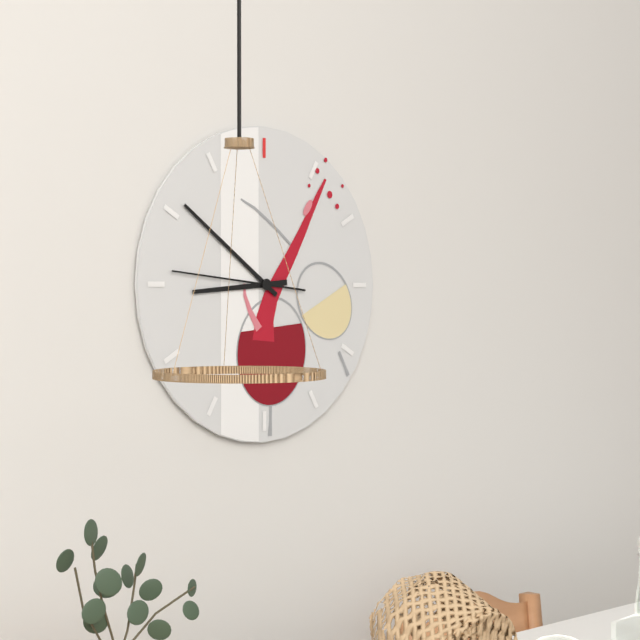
8h51m46s
